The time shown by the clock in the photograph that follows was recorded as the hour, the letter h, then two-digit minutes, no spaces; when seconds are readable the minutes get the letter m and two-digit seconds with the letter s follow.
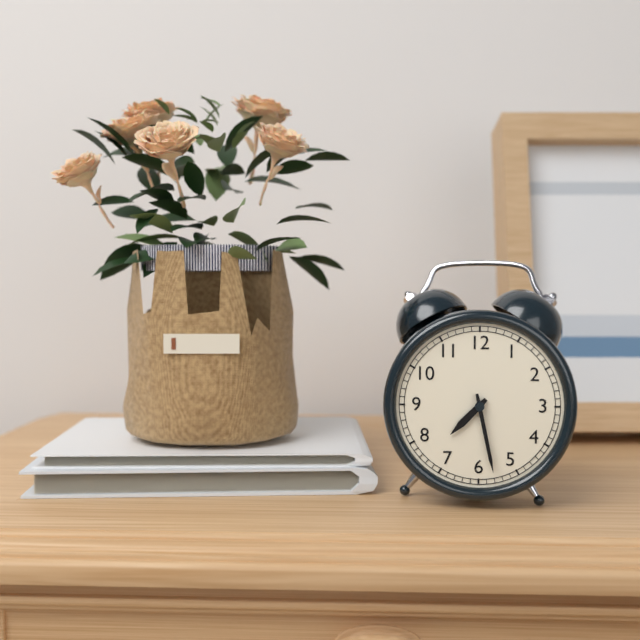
7h28
